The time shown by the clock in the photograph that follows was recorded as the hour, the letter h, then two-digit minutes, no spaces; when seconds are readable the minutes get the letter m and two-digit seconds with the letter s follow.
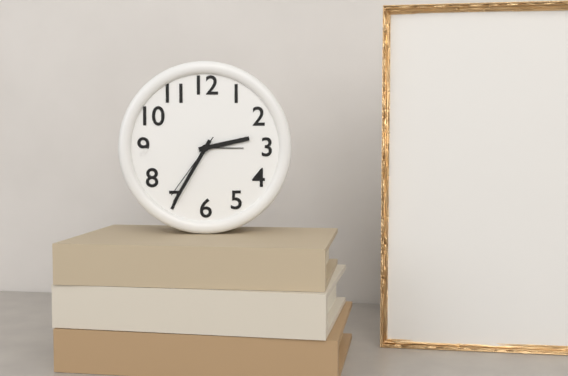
2h35m36s
